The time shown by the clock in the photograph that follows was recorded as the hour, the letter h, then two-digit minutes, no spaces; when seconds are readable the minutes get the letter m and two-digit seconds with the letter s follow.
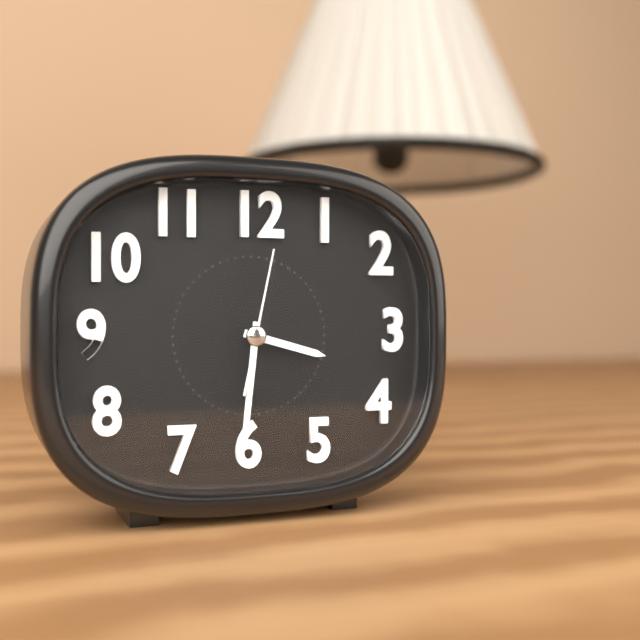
3h31m02s
